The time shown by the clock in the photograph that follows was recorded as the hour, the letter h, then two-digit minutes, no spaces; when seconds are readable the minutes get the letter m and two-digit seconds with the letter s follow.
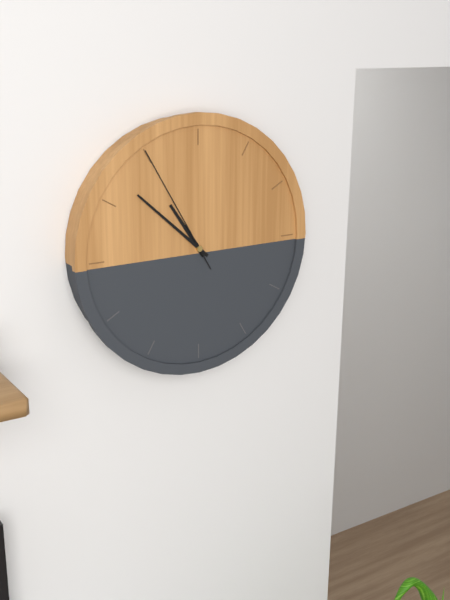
10h52m55s
